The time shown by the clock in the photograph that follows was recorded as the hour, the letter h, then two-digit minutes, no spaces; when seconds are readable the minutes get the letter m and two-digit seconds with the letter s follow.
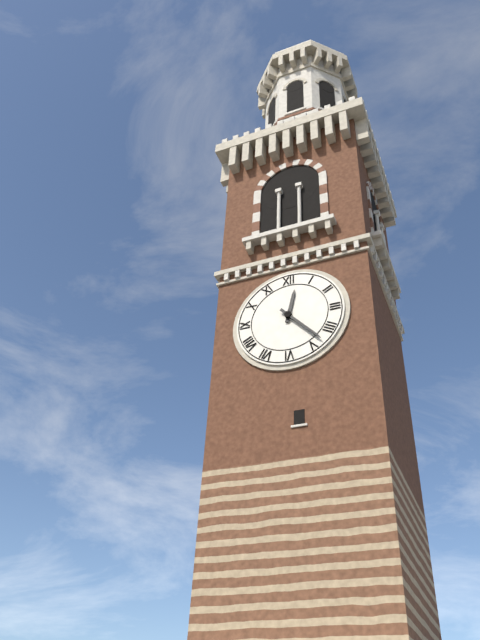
12h23
